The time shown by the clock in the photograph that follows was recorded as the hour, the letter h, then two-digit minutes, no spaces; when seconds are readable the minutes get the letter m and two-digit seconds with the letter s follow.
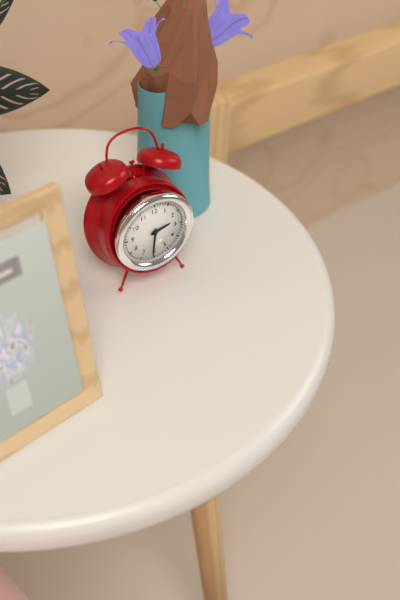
2h31
